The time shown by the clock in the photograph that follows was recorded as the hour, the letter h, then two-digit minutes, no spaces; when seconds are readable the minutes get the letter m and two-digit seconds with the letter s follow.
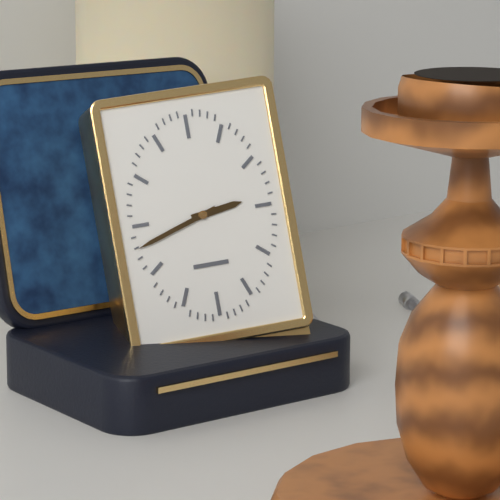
2h42
